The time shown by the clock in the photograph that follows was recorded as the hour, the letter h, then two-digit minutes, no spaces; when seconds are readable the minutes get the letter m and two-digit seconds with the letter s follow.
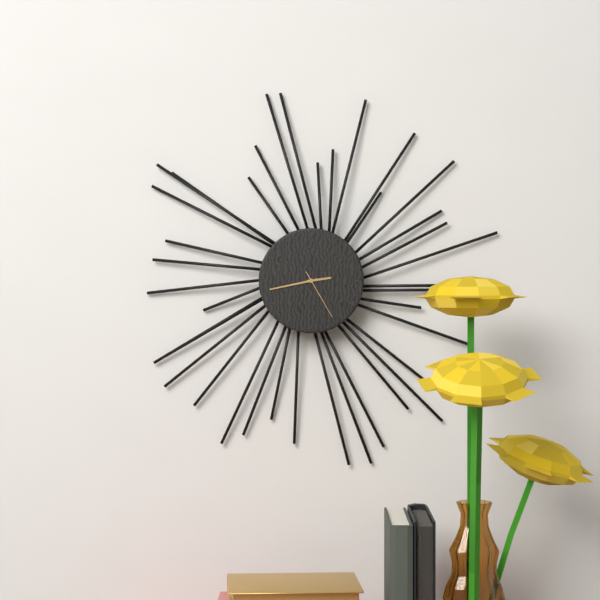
2h43m25s
